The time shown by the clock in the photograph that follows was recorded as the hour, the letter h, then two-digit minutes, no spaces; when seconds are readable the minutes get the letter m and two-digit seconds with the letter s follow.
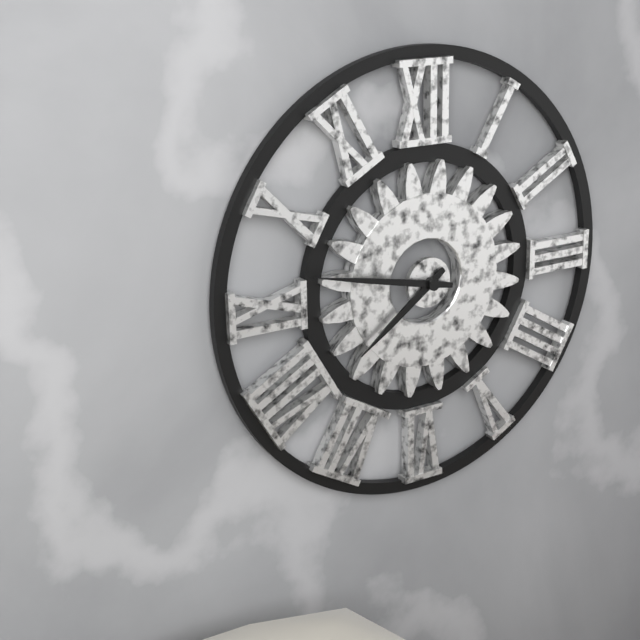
7h47
